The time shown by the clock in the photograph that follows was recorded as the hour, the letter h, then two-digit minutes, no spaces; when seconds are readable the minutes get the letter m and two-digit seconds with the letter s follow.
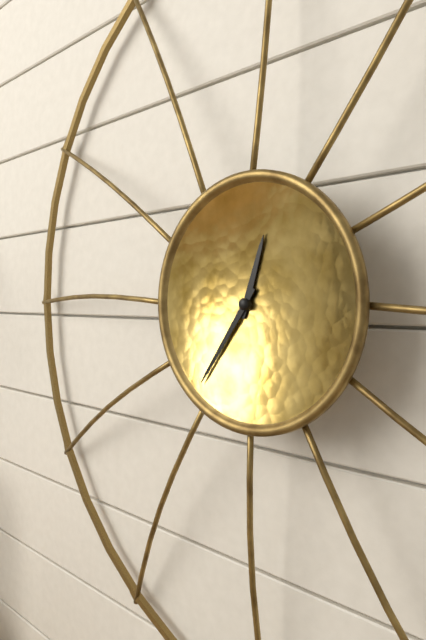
12h36
